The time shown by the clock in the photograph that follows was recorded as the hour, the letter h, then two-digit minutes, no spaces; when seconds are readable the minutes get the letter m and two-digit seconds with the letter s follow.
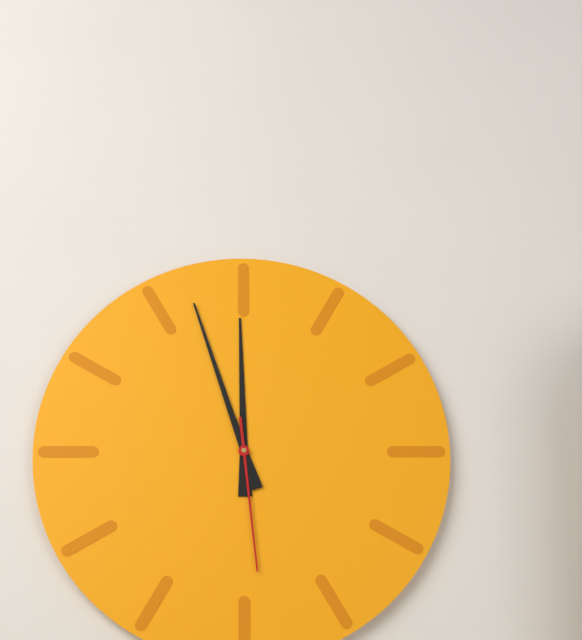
11h57m29s
